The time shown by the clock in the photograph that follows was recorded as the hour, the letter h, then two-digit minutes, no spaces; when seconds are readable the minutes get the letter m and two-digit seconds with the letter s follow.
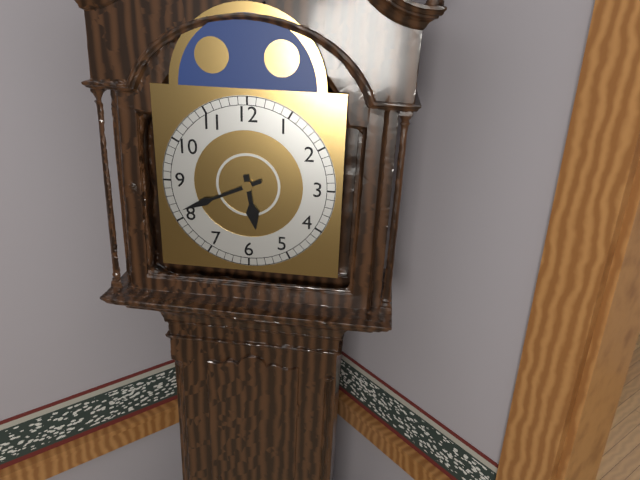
5h41
